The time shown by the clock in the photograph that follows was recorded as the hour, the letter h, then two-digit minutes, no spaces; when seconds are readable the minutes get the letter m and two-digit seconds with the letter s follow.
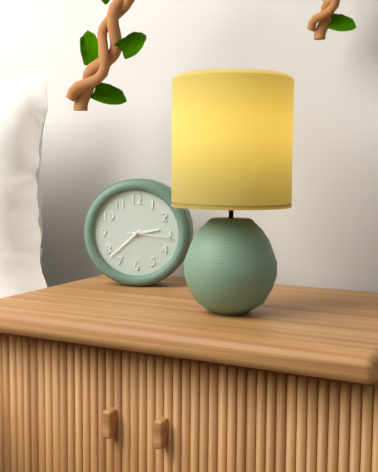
2h38
